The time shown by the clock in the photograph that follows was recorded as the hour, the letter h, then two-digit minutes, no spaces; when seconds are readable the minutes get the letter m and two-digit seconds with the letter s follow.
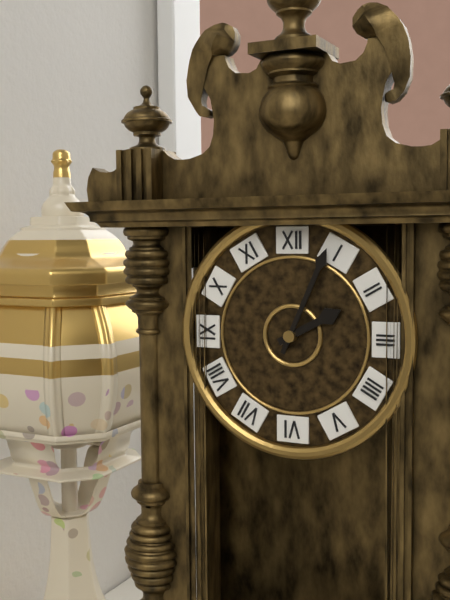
2h04
